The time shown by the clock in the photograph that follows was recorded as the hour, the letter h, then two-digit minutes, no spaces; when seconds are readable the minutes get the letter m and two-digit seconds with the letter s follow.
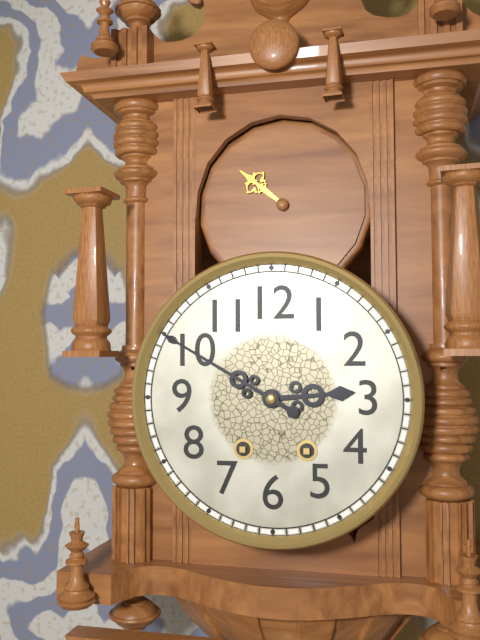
2h50
